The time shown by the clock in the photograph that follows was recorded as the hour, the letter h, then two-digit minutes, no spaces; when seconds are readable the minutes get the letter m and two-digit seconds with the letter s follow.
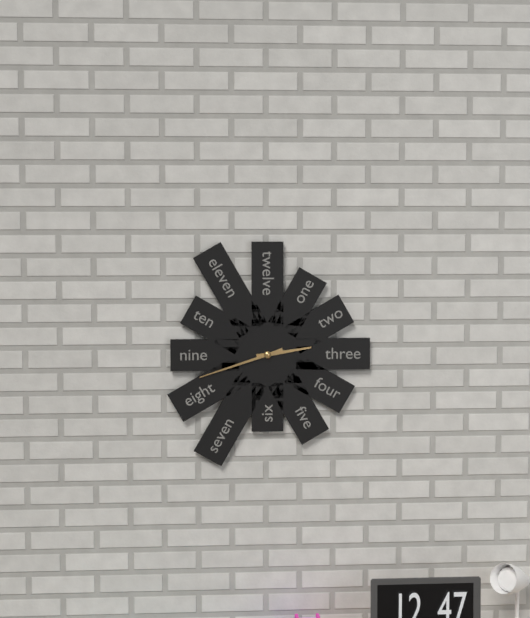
2h42
